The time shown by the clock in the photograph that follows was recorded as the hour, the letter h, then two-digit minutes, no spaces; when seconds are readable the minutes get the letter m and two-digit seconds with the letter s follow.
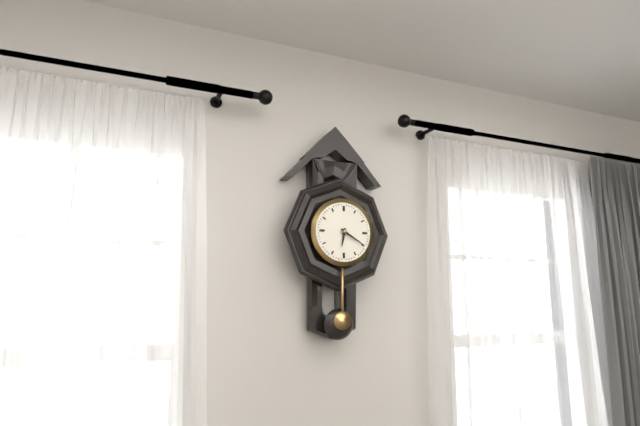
6h20
